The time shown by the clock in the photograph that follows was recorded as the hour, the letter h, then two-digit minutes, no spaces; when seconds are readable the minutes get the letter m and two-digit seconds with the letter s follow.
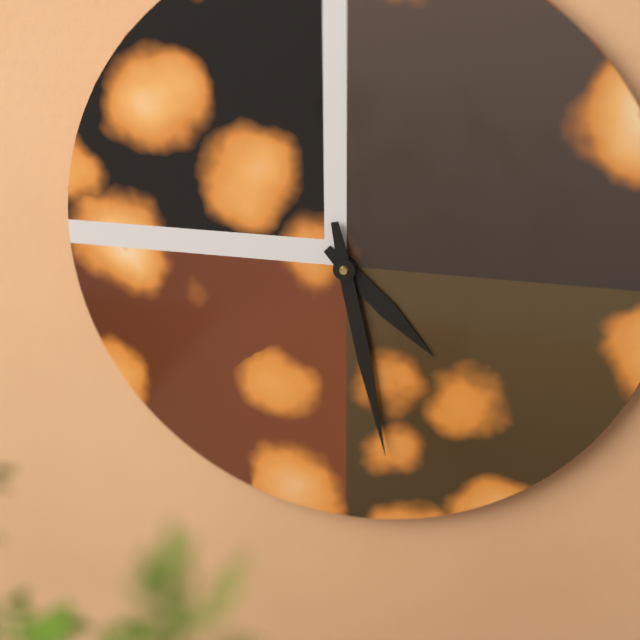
4h28
